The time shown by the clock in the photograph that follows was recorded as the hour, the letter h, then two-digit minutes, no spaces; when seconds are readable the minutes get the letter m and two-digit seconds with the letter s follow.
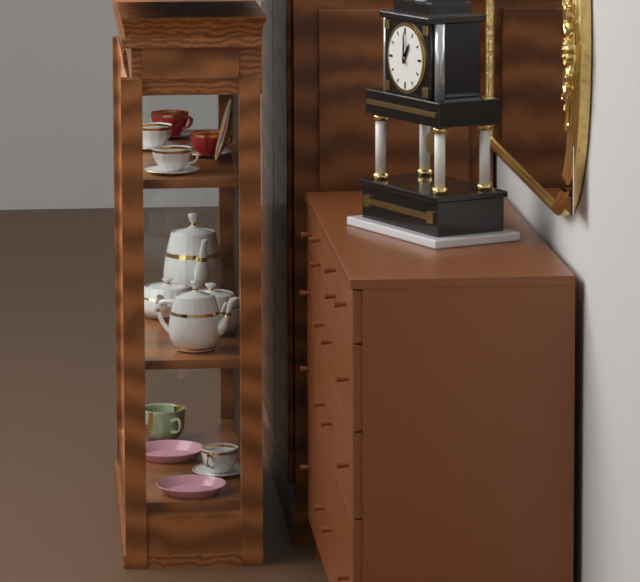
1h00
